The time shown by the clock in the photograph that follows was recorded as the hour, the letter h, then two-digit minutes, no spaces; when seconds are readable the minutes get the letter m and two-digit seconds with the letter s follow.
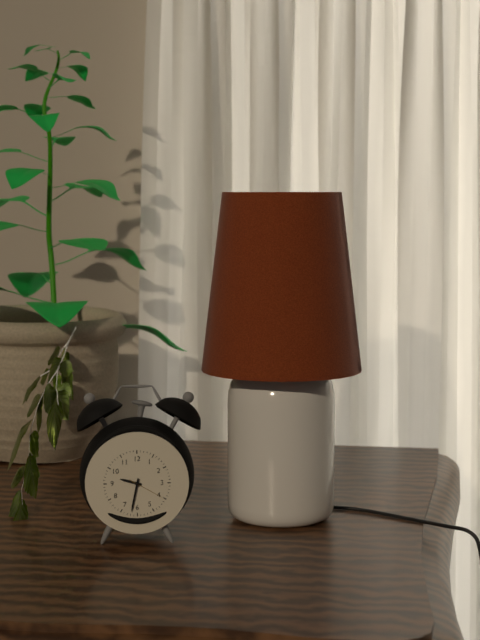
9h32
